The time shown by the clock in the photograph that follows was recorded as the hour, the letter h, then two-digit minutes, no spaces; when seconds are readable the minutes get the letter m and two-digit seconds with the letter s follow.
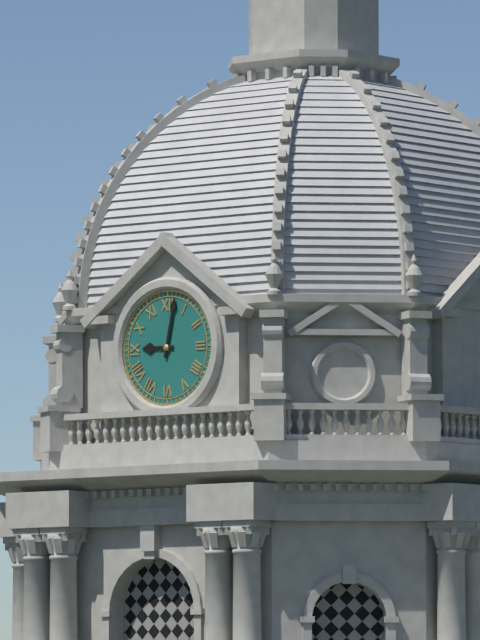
9h02
